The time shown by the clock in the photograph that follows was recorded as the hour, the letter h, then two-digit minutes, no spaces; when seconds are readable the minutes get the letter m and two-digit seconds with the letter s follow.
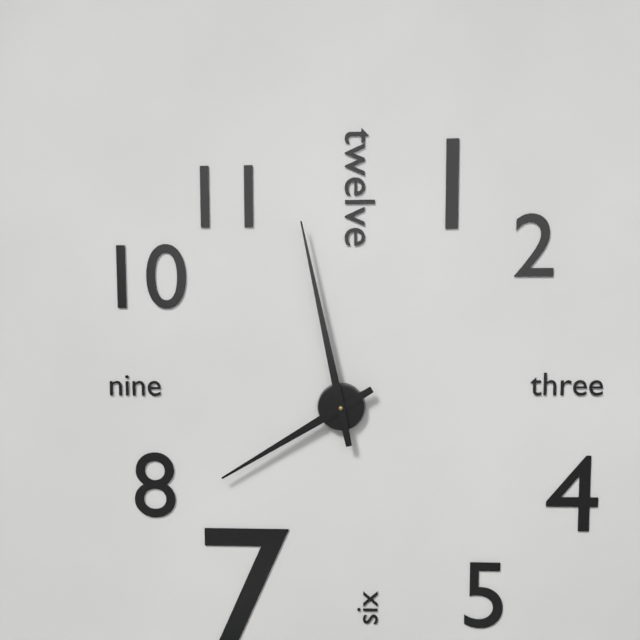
7h58
